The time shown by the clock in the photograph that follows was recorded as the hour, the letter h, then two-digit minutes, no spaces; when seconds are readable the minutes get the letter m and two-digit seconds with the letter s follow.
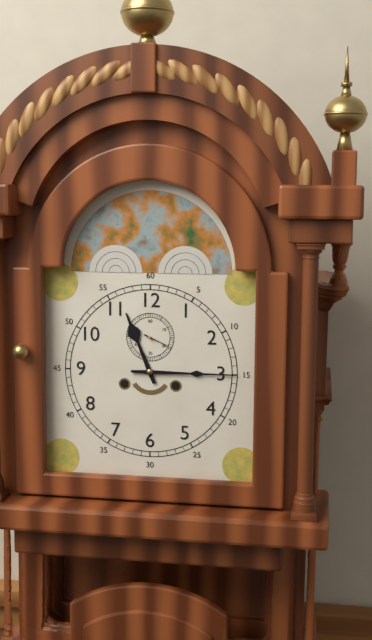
11h15
